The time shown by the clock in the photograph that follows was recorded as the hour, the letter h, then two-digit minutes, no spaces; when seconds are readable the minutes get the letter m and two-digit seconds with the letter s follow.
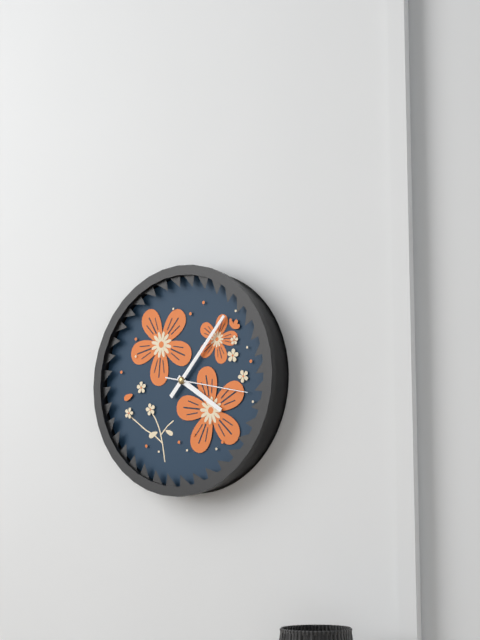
4h07m17s
